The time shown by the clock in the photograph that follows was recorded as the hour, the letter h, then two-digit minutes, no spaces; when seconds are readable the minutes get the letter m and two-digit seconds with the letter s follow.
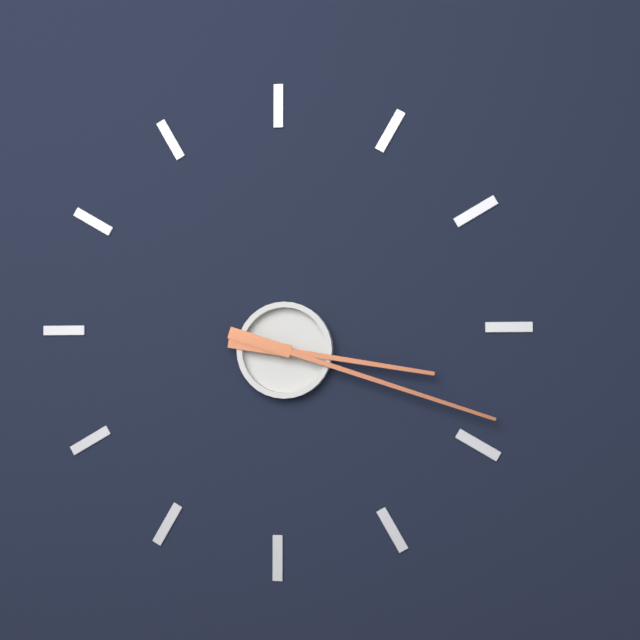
3h18
